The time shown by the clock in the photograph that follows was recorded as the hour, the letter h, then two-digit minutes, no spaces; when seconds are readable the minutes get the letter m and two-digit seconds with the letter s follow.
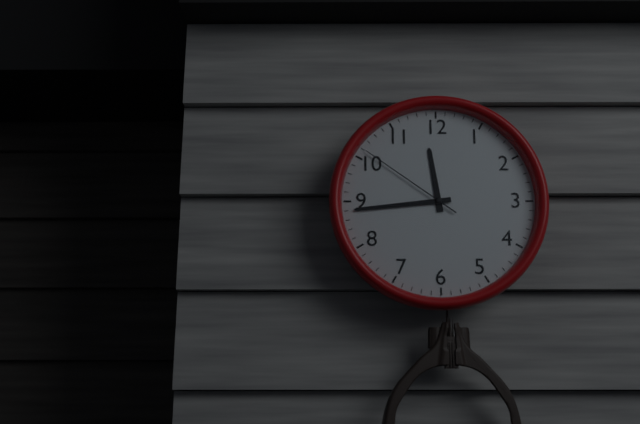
11h44m51s
